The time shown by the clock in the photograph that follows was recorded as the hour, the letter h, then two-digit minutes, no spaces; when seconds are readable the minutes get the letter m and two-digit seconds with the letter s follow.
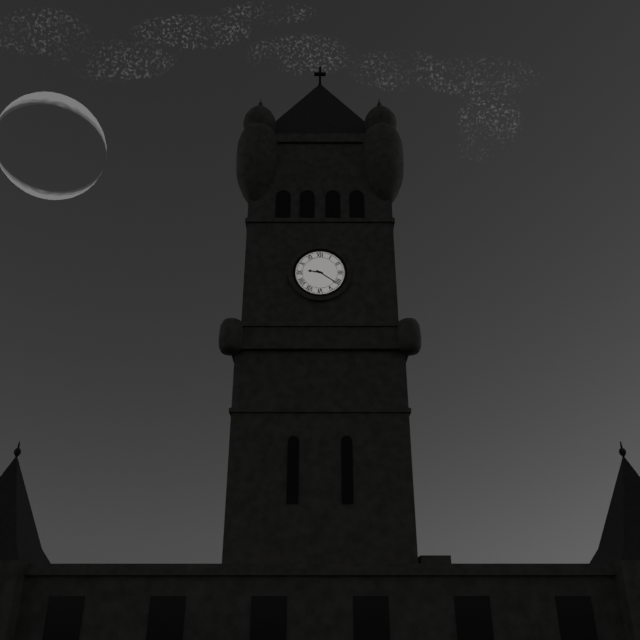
9h21
